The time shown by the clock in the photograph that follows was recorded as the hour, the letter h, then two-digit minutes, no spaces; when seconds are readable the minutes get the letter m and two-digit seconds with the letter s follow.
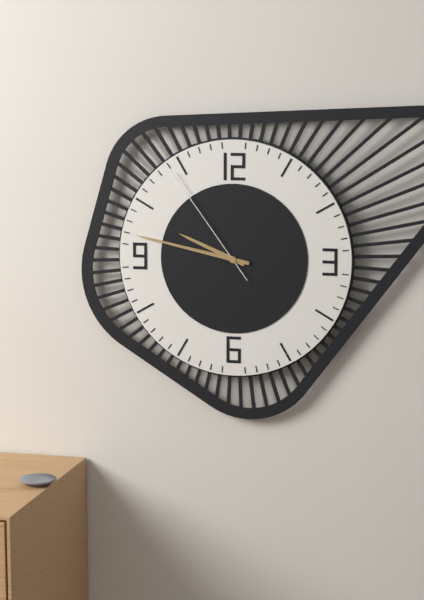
9h47m54s
